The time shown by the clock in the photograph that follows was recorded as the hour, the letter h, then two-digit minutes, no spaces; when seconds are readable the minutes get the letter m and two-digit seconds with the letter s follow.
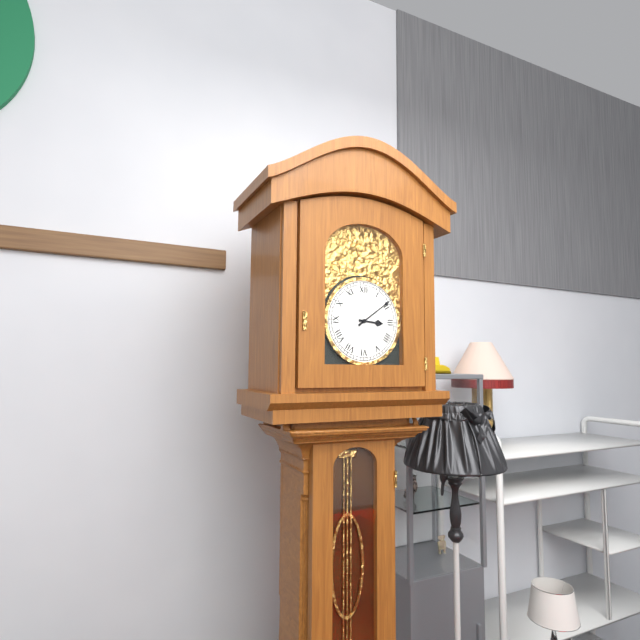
3h09
